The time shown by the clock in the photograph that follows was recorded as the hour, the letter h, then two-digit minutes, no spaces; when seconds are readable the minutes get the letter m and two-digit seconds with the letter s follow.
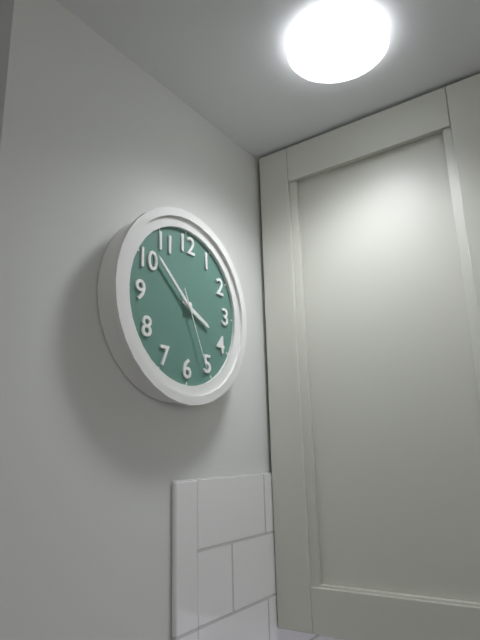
3h52m26s
